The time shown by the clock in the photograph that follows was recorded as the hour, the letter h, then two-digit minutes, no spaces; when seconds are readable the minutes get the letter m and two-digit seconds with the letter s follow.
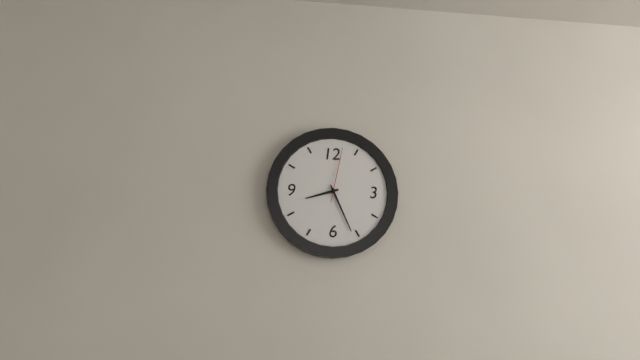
8h26m02s
